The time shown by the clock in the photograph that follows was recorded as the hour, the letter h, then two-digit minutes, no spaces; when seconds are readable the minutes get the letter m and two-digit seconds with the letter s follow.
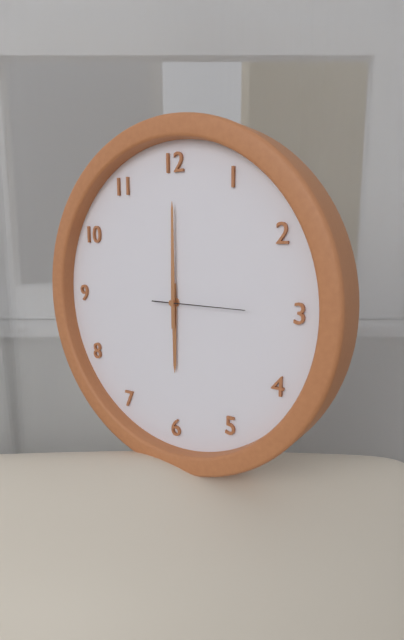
6h00m15s
